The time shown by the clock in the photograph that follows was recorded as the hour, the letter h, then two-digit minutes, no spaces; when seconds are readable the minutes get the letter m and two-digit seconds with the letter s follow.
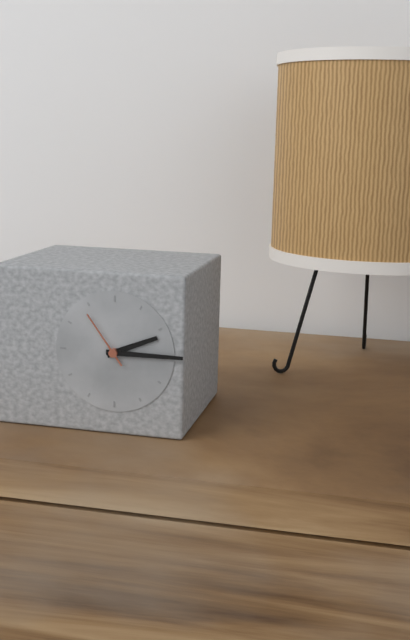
2h15m54s
